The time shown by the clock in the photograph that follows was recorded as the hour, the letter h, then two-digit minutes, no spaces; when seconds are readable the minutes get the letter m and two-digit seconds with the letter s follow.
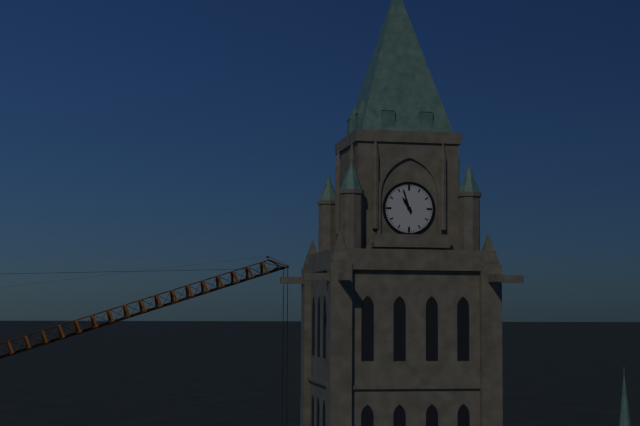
10h57
